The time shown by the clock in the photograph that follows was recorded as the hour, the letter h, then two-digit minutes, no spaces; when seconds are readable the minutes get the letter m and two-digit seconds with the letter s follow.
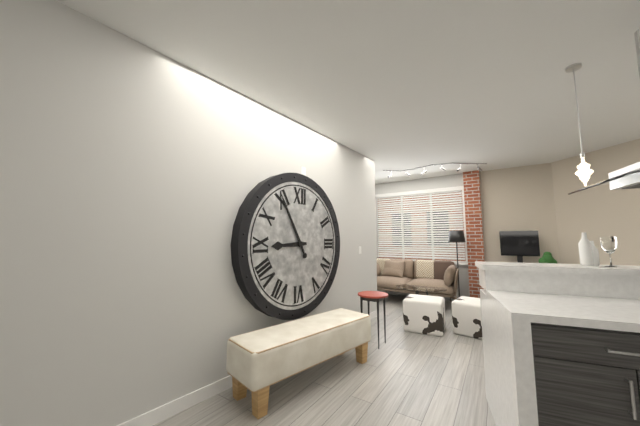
8h55
